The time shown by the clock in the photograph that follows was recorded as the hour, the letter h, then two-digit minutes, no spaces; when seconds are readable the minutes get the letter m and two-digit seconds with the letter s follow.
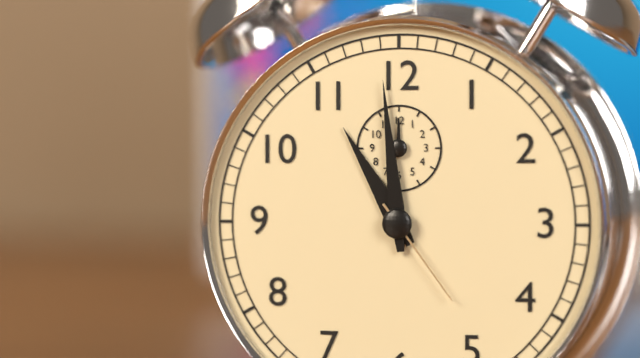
10h59m24s
